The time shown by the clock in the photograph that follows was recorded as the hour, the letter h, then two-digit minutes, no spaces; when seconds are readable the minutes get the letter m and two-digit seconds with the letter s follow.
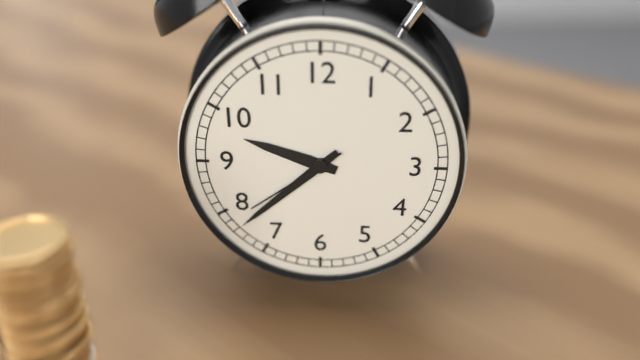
9h38m39s
